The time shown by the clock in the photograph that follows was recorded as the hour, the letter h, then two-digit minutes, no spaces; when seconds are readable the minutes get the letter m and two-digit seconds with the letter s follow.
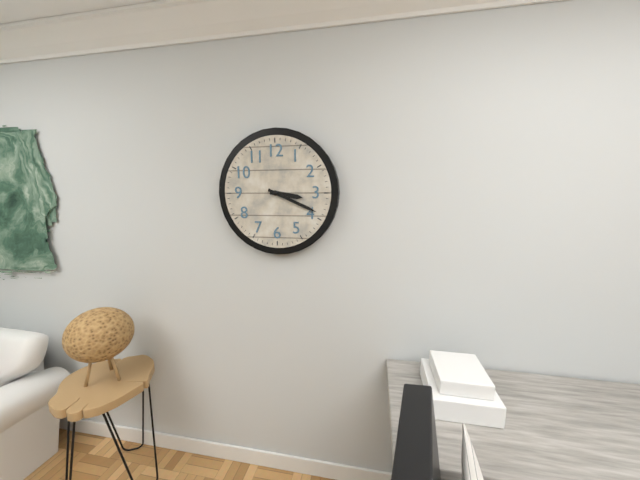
3h19
